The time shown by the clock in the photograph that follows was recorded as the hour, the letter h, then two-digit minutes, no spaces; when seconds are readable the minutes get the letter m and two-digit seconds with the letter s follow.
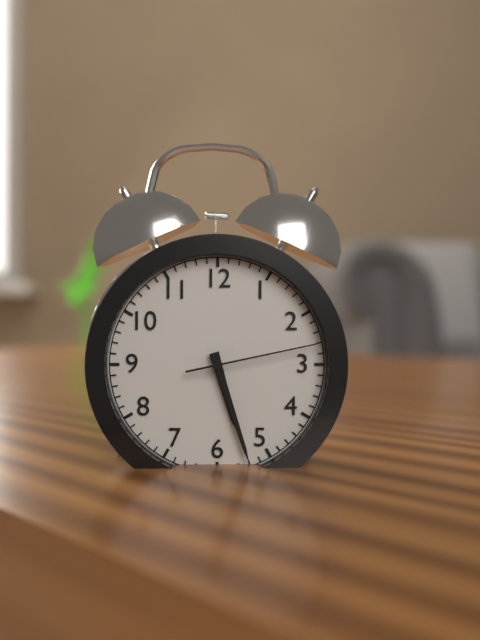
5h27m13s
